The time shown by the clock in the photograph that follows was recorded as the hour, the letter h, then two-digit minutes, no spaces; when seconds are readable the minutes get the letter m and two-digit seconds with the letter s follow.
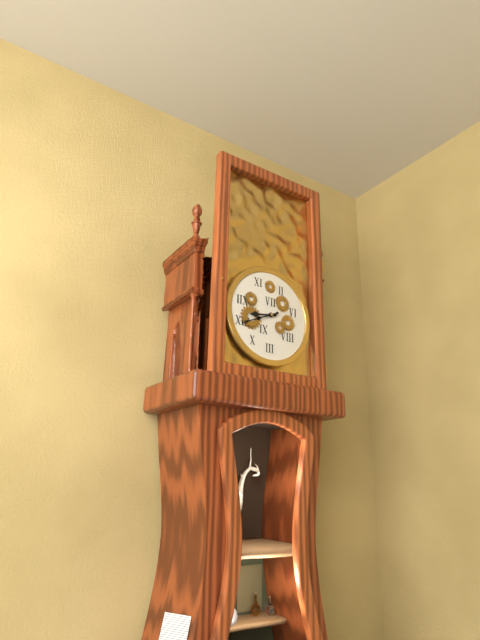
8h41
